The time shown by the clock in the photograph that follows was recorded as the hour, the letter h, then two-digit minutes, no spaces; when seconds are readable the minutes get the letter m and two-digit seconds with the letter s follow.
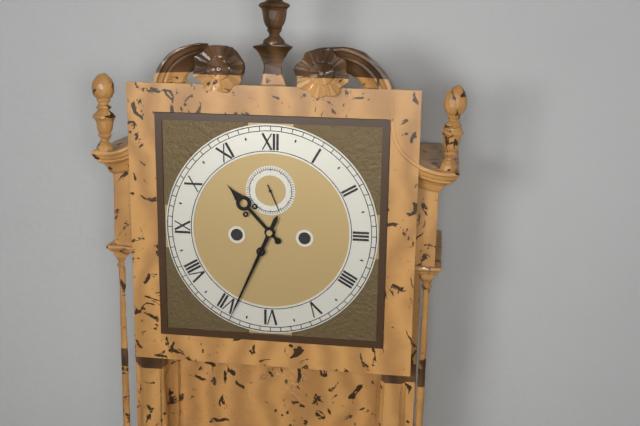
10h34
